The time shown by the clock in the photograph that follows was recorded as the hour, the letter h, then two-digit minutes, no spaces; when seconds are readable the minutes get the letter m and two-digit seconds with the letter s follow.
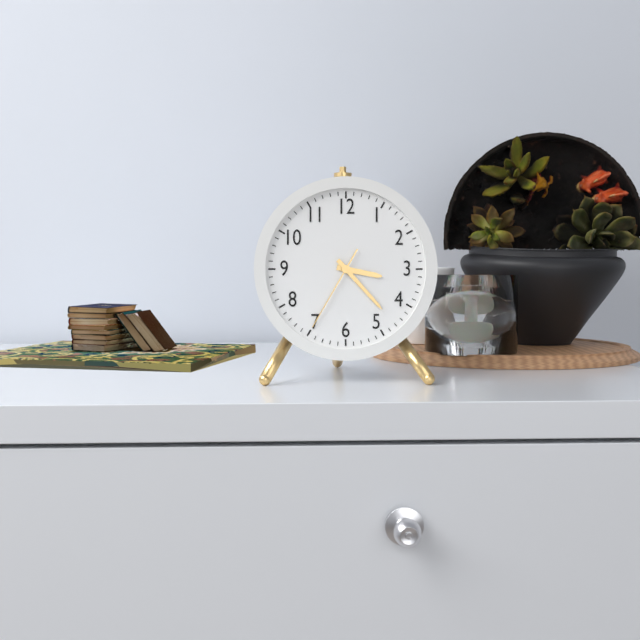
3h23m35s
